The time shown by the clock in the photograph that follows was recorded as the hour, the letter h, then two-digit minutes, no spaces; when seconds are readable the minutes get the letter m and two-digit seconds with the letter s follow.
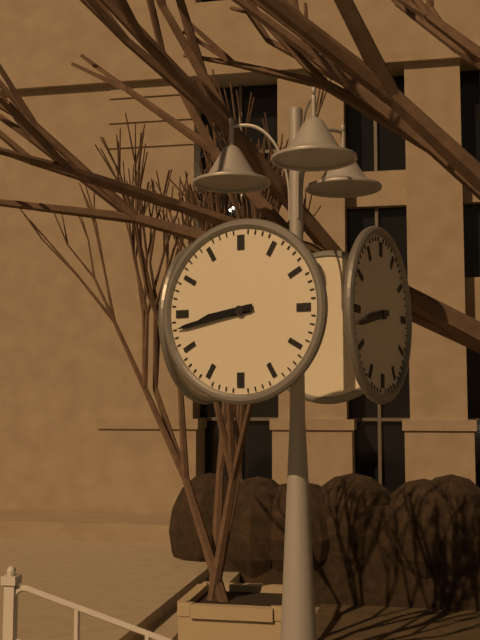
8h43
